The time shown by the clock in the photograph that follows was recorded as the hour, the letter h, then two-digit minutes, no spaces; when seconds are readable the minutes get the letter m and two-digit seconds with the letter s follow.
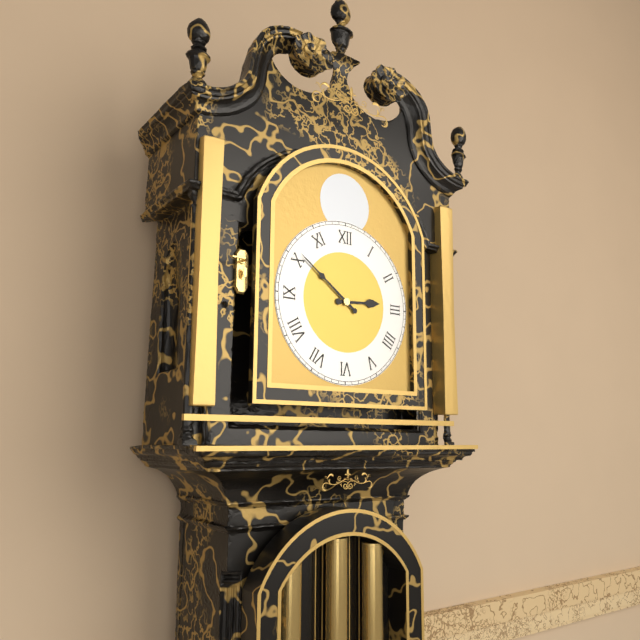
2h51
